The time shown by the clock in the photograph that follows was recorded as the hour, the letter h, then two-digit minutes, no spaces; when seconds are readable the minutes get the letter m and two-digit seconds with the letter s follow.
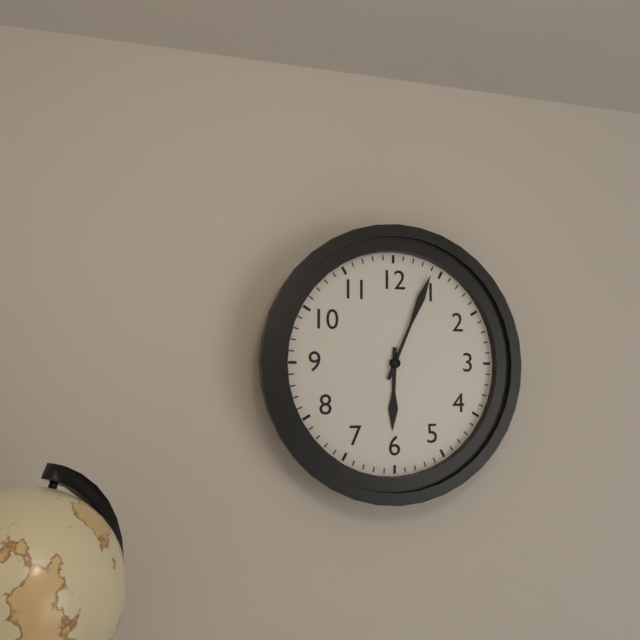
6h04
